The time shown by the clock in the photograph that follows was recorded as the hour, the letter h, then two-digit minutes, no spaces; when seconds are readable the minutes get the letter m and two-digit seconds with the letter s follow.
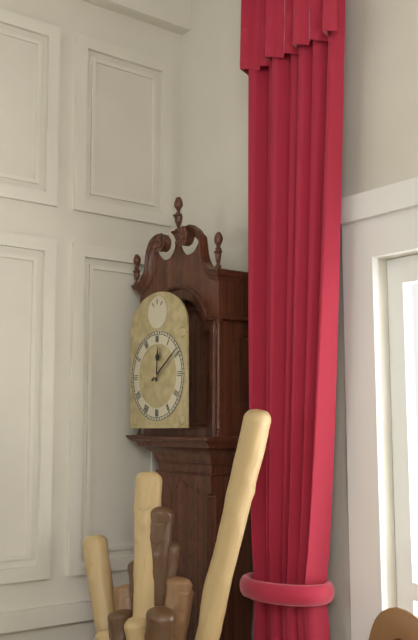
12h09
